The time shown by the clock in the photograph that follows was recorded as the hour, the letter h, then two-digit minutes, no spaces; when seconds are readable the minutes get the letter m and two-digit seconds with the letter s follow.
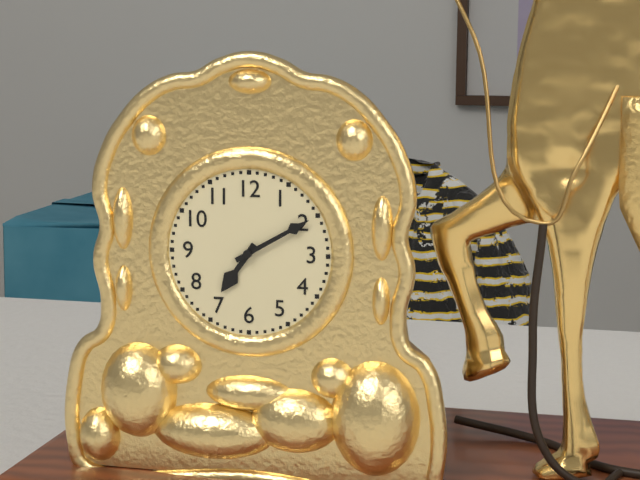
7h10
